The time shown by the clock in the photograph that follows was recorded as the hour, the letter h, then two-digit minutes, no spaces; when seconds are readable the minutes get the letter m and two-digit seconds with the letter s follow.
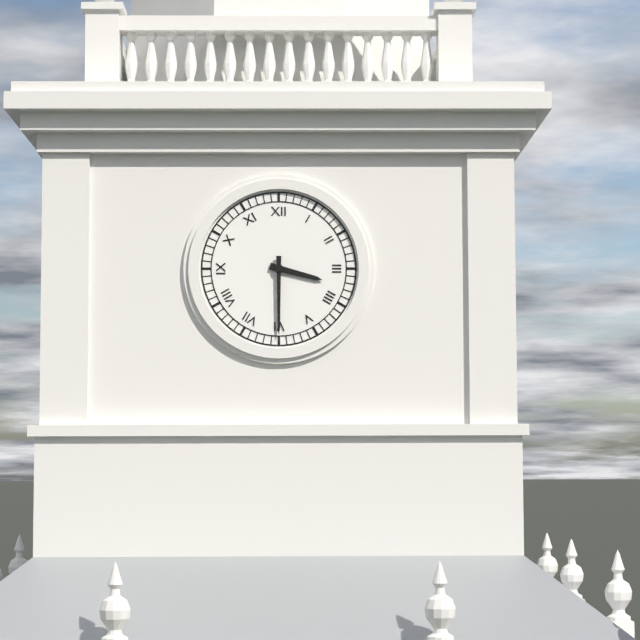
3h30
